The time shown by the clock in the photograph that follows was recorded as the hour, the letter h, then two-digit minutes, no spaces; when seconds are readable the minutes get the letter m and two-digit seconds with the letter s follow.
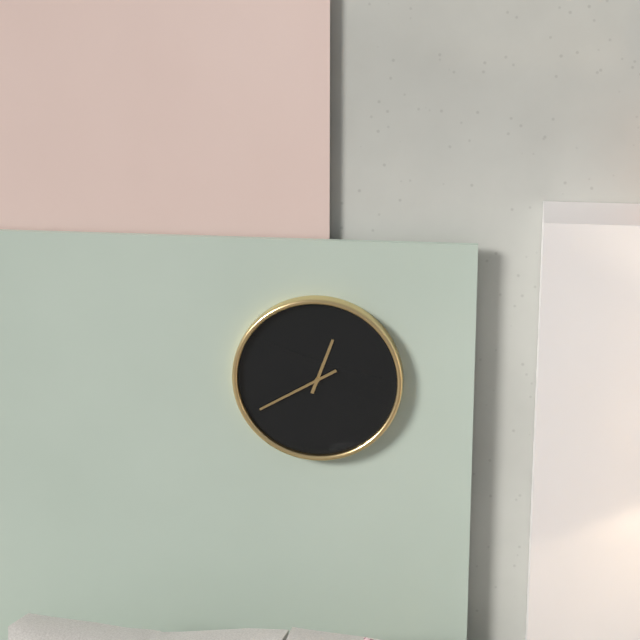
12h40
